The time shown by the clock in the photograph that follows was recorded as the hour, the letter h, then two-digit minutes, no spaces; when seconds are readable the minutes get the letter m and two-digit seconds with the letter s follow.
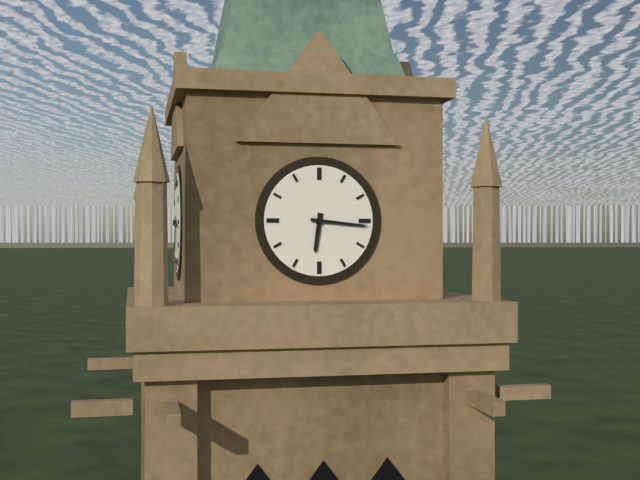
6h16
